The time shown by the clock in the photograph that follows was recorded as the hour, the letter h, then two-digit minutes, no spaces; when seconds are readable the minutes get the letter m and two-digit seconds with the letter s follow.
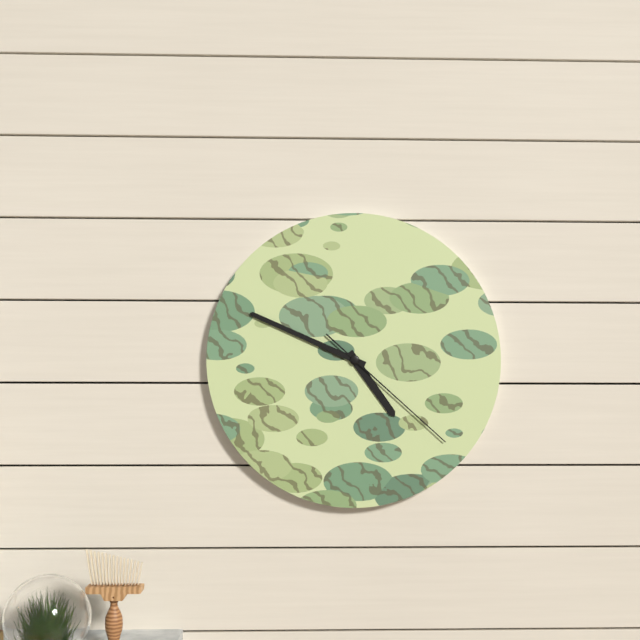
4h49m22s
